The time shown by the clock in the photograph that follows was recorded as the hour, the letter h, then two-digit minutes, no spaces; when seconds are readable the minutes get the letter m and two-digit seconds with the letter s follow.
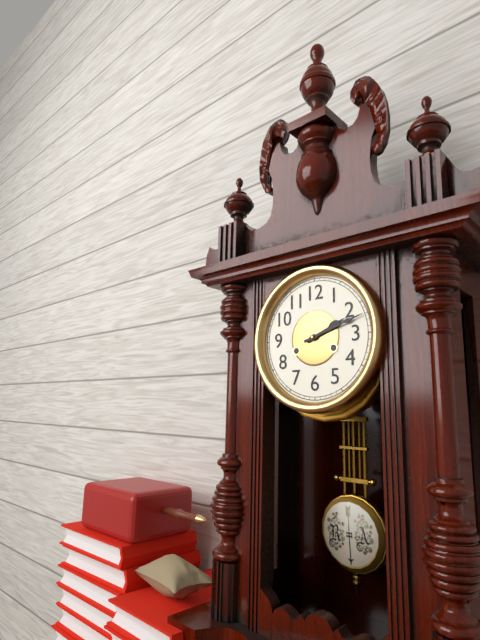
2h12
